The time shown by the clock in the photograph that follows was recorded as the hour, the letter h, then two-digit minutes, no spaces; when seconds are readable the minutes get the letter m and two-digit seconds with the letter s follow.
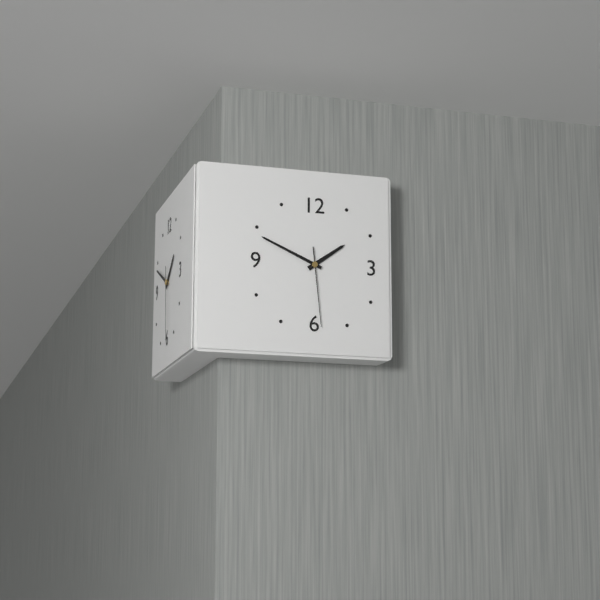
1h49m29s
